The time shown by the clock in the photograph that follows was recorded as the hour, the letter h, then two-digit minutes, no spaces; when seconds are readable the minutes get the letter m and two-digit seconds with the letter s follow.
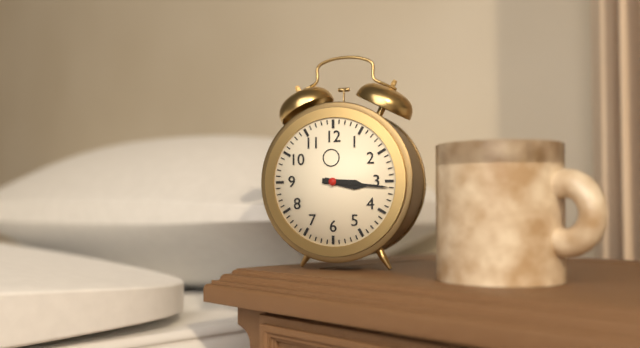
3h16
